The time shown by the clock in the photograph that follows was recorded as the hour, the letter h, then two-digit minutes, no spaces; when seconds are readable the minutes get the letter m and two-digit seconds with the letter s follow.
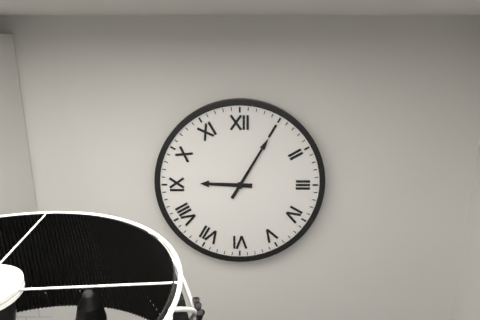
9h05
